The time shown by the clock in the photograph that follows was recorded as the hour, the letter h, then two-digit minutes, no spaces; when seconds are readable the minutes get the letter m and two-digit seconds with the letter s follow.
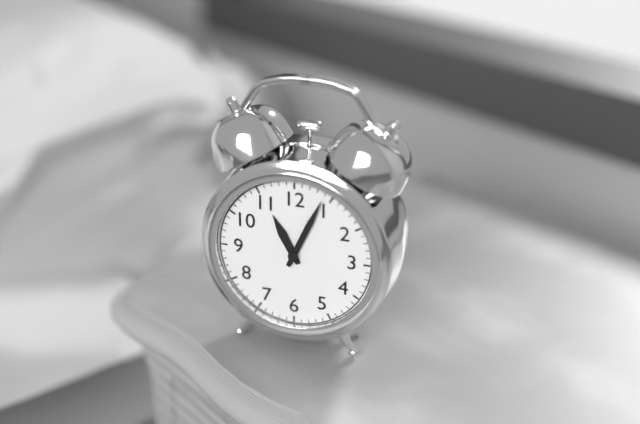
11h04
